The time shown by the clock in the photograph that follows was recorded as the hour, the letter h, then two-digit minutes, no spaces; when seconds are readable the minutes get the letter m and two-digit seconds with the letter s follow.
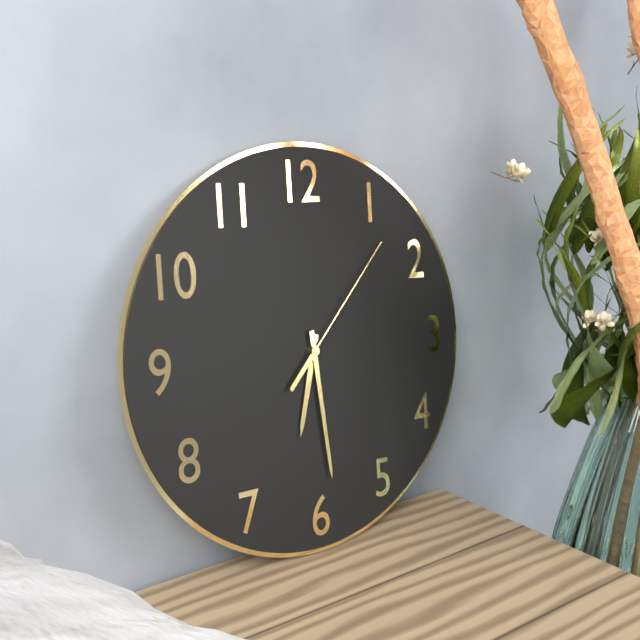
6h29m07s
